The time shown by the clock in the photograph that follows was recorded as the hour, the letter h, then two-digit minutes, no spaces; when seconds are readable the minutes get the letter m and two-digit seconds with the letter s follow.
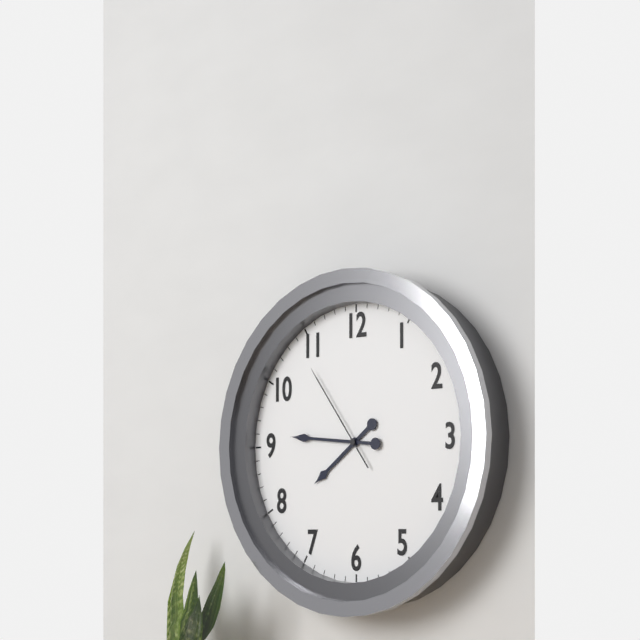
7h46m54s
